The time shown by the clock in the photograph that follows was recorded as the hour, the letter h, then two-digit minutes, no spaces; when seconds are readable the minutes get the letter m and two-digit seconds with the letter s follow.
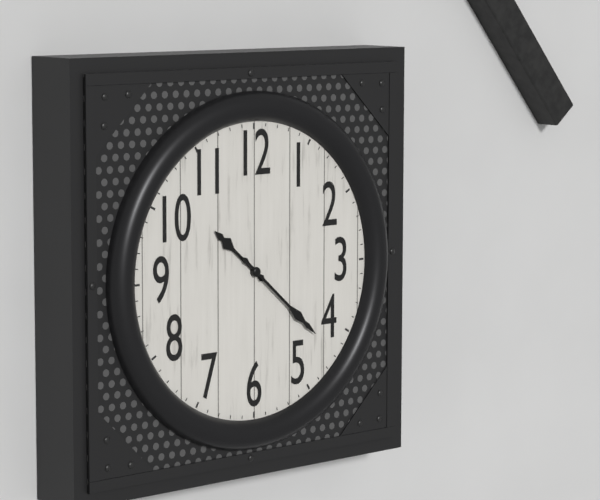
10h22
